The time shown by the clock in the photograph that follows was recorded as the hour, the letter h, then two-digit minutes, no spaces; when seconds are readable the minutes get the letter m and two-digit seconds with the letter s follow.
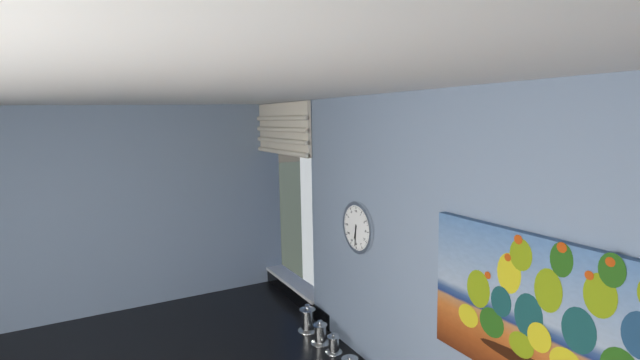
6h31
